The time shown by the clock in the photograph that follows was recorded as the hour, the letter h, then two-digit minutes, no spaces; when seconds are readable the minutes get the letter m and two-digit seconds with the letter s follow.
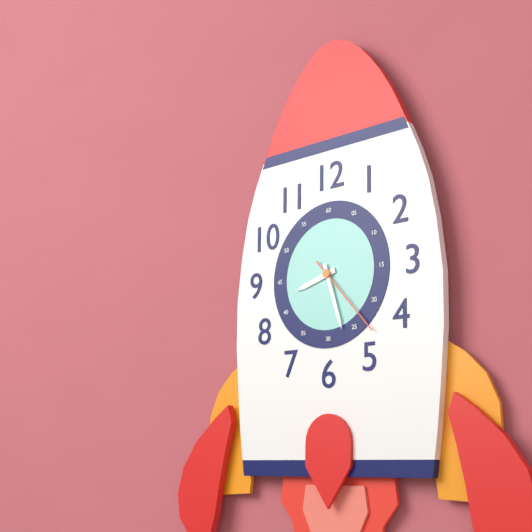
8h27m23s
